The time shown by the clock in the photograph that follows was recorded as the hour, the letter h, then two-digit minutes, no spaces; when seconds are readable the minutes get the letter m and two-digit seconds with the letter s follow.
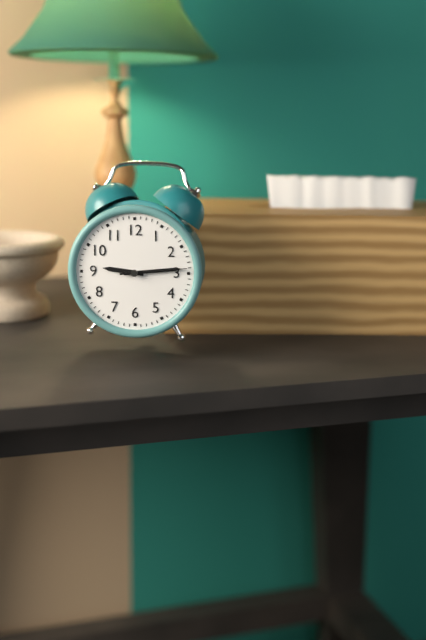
9h14m14s
